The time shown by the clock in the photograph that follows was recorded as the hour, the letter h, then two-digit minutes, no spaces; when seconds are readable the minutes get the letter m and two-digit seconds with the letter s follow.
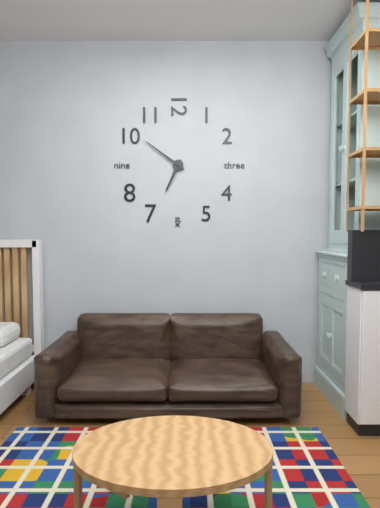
6h51
